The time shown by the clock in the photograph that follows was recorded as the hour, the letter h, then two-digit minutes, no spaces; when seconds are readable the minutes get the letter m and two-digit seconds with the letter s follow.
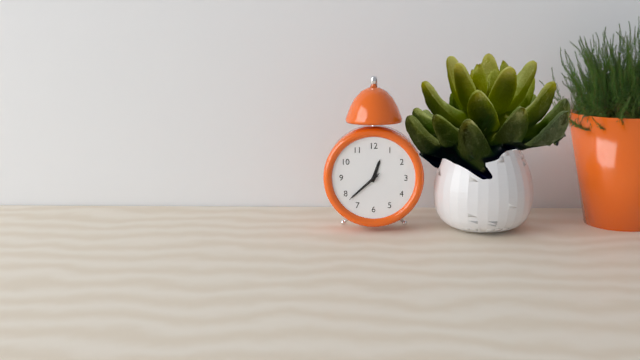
12h38
